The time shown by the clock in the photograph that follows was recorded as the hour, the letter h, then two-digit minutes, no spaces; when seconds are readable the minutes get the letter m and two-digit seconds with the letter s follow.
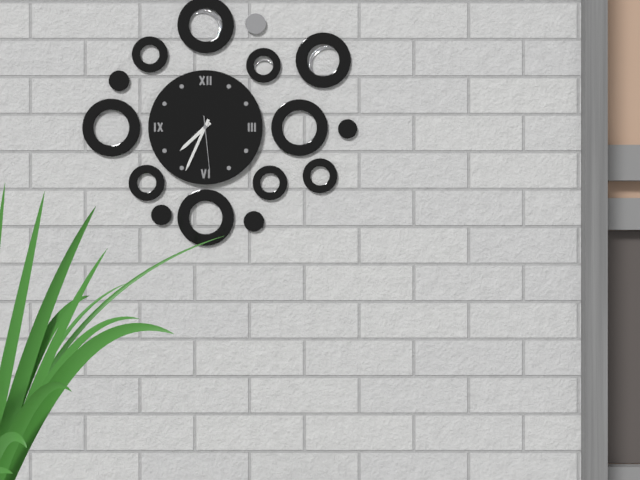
7h34m29s
